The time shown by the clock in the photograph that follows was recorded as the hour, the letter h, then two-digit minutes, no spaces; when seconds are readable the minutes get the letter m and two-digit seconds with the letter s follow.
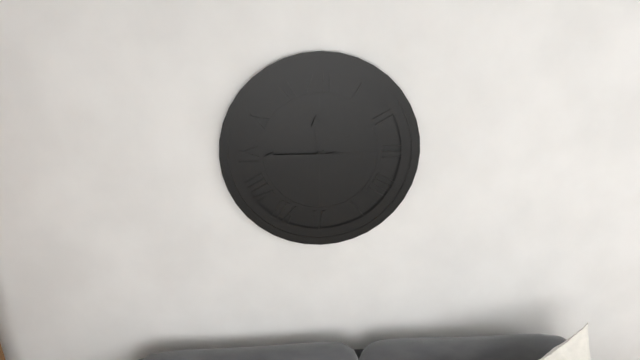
11h45
